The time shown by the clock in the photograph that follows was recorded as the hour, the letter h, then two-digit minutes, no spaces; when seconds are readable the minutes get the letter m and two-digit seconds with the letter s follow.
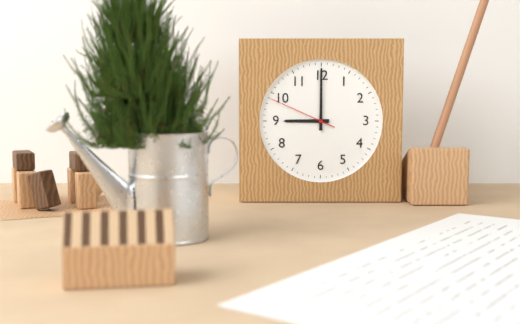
9h00m49s
